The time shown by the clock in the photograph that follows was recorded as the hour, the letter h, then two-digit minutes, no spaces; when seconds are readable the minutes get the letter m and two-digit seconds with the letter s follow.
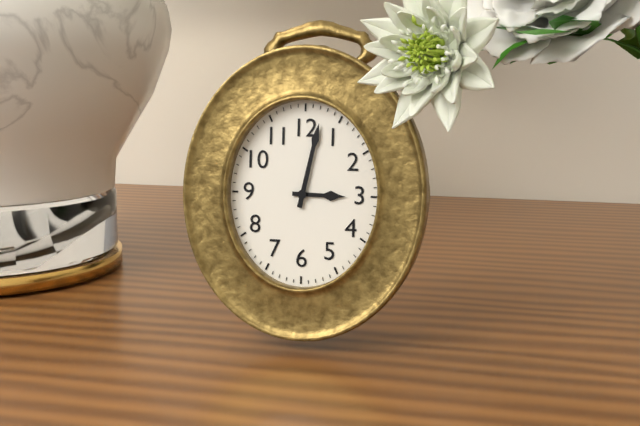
3h02
